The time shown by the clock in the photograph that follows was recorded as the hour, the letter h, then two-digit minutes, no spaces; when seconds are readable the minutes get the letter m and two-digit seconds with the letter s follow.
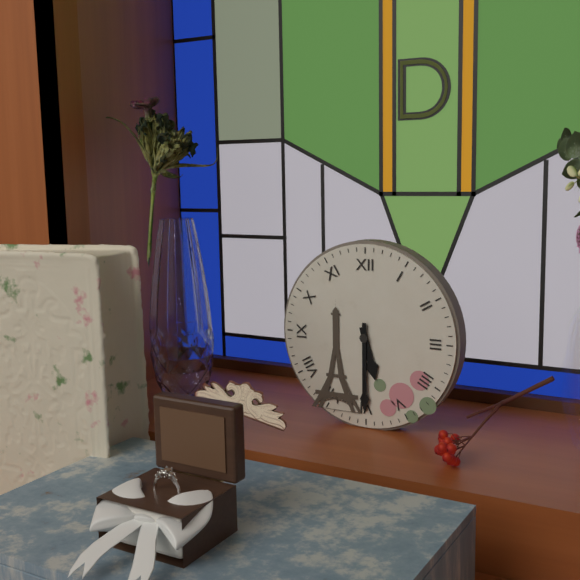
5h30
